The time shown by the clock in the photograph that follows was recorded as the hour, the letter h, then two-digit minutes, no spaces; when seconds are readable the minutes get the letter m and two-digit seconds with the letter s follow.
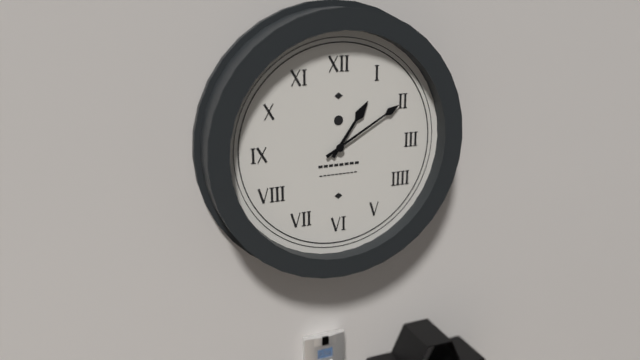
1h10
